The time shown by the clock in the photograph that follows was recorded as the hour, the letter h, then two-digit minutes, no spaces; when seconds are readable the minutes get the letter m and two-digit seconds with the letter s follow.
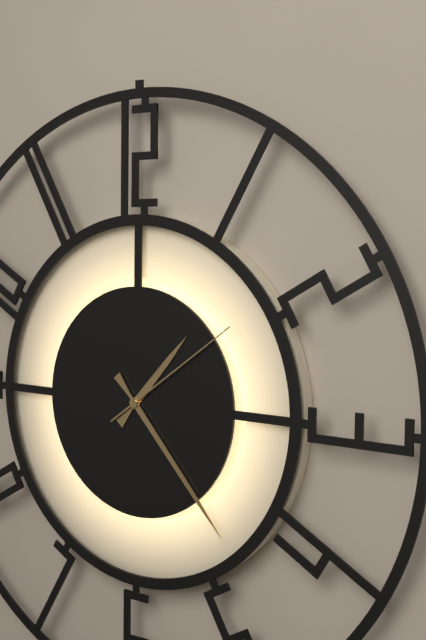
1h23m09s
